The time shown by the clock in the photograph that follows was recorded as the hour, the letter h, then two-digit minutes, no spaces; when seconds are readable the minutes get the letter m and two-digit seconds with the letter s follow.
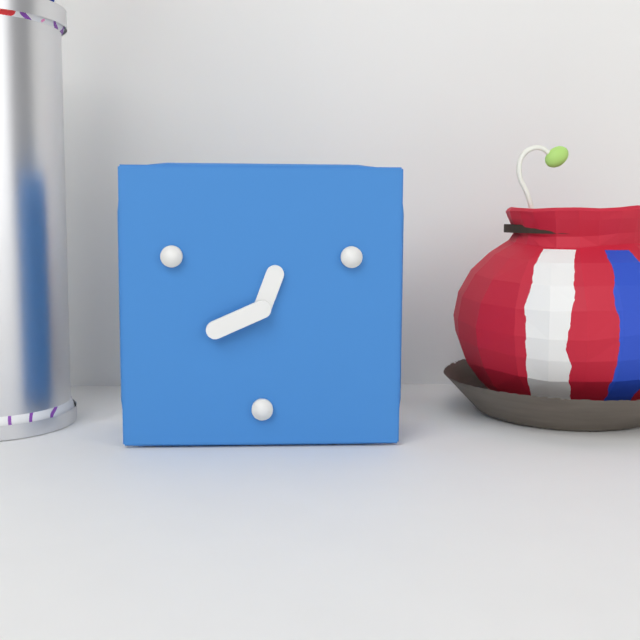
12h41
